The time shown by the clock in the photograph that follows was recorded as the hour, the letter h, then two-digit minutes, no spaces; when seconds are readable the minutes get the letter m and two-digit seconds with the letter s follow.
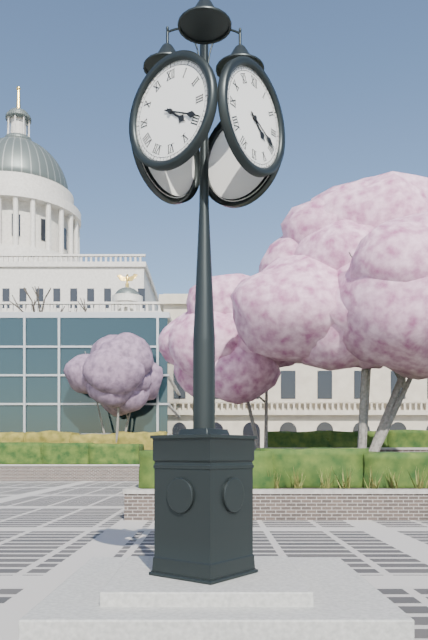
4h19
